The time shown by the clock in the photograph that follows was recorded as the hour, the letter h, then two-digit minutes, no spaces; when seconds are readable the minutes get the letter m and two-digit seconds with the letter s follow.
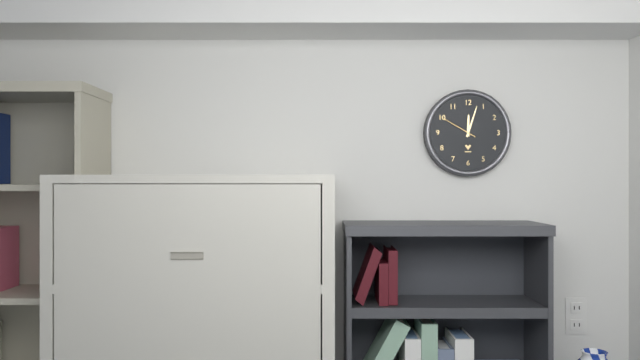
12h03
